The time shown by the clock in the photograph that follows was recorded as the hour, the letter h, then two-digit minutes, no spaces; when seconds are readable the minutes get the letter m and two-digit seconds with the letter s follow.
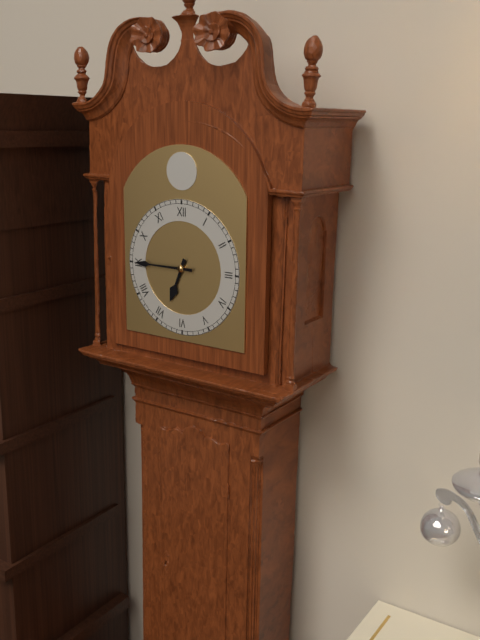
6h45
